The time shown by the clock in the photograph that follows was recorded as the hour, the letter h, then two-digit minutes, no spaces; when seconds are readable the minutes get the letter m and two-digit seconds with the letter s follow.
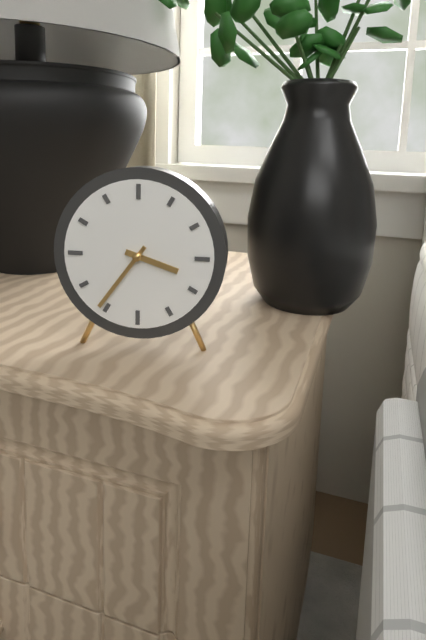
3h36
